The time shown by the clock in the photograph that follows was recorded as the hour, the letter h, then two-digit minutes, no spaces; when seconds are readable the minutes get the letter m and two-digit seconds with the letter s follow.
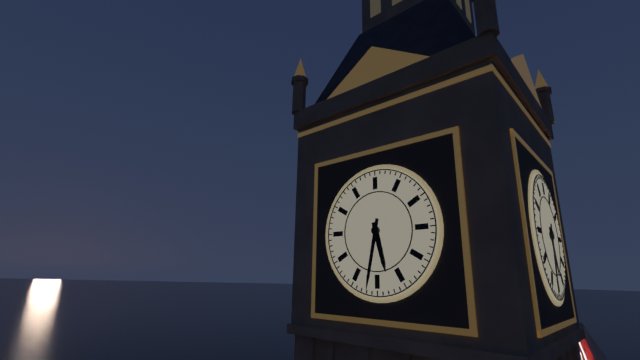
5h32
